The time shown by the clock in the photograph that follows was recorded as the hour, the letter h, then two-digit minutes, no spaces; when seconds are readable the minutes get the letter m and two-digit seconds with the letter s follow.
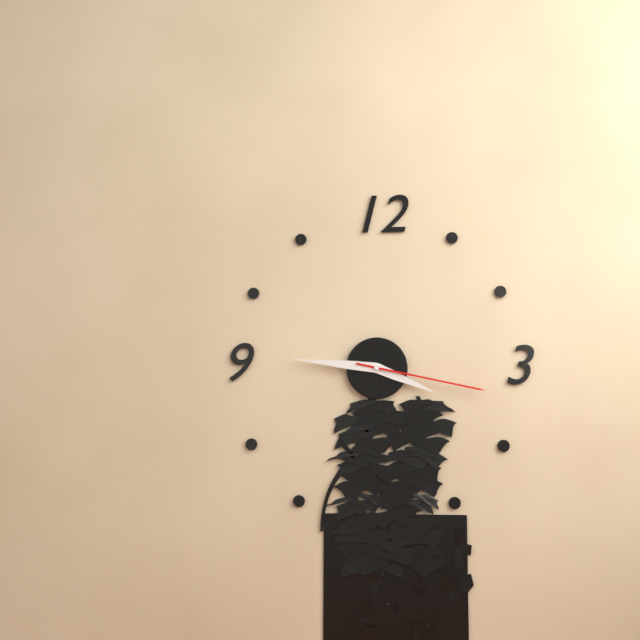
3h46m17s
